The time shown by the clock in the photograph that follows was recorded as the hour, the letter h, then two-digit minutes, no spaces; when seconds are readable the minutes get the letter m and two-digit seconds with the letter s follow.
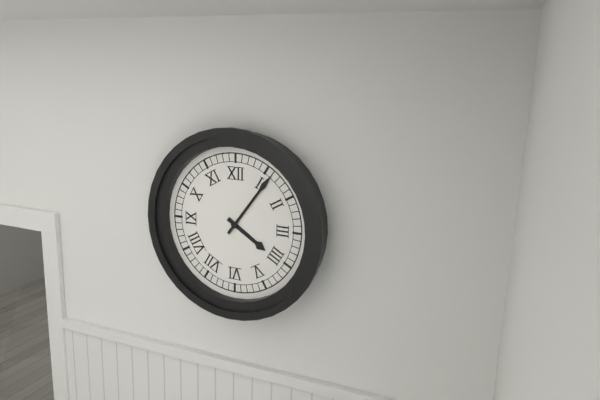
4h06
